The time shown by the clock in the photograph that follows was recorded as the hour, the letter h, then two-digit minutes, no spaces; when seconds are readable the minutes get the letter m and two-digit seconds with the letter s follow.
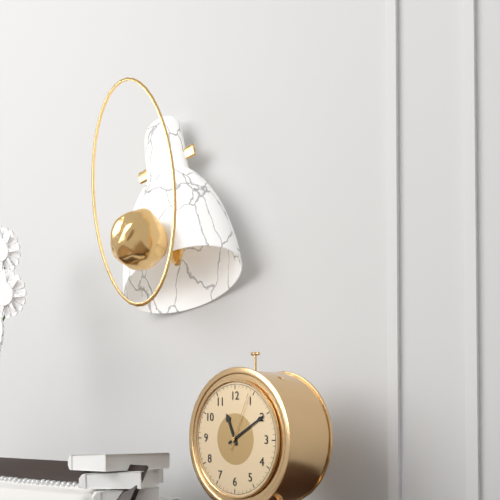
11h10m04s
